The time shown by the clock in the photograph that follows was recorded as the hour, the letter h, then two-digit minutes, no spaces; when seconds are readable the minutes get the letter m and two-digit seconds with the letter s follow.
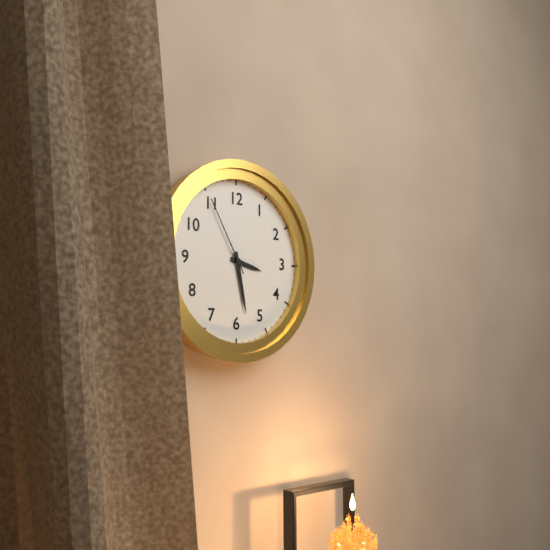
3h28m55s
